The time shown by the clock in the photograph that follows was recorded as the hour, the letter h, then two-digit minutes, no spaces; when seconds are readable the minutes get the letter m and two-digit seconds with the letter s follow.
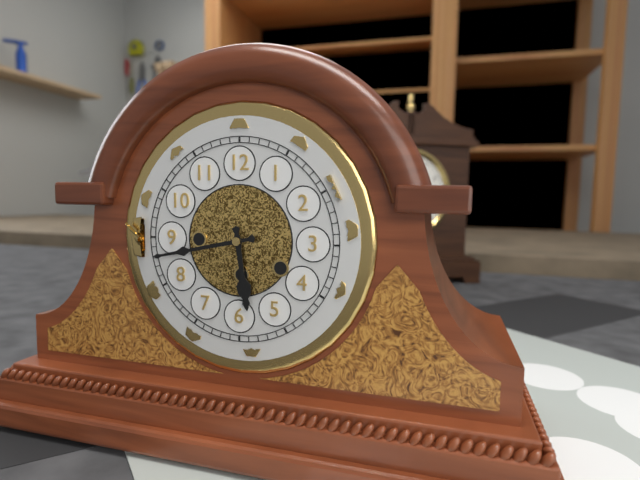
5h43
